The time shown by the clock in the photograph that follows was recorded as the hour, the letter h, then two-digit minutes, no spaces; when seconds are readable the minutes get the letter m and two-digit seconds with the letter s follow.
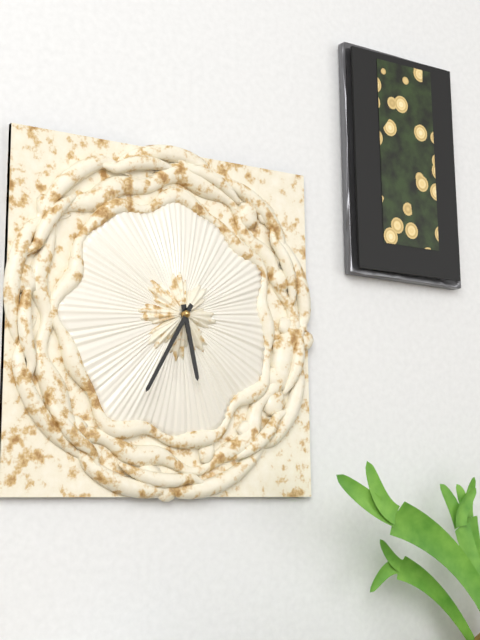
5h35
